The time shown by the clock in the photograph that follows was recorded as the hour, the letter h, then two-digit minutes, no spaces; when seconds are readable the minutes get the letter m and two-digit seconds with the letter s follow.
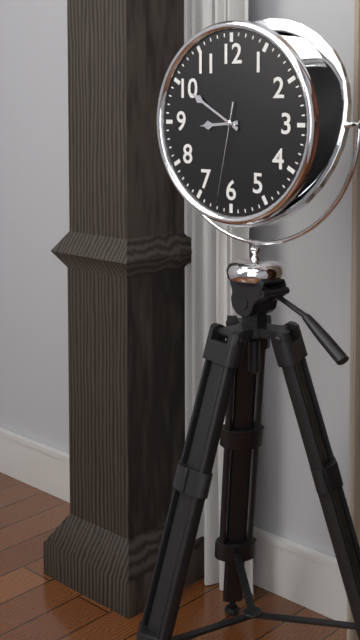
8h50m32s
